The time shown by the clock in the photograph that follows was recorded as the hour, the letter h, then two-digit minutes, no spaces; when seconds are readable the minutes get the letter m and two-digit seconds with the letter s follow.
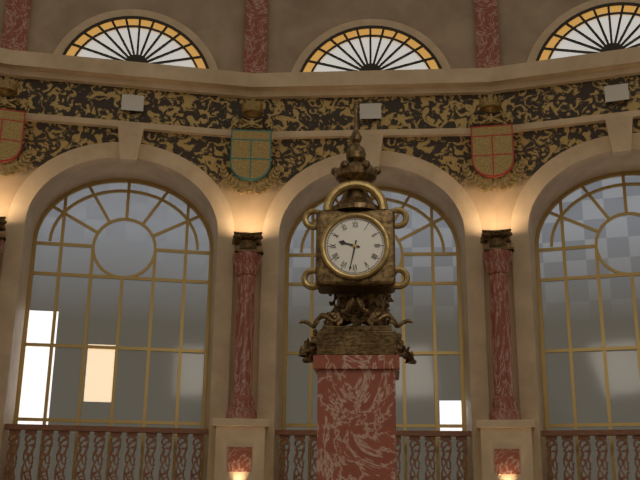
9h32
